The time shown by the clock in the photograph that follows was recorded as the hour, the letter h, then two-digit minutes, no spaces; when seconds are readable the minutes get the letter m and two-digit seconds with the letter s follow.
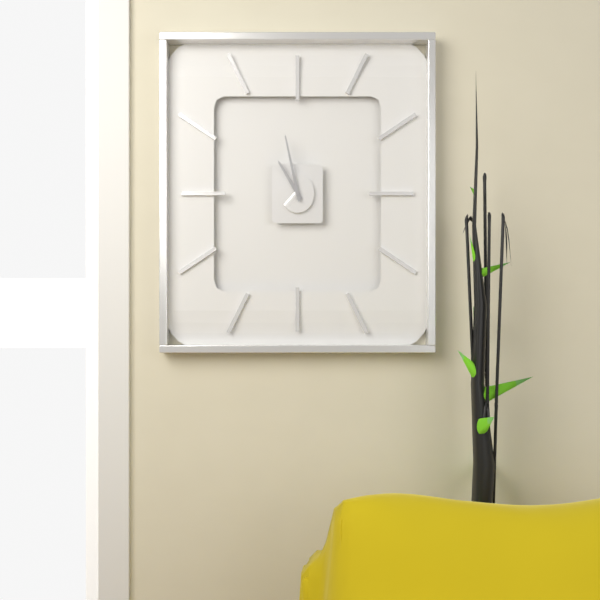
10h58
